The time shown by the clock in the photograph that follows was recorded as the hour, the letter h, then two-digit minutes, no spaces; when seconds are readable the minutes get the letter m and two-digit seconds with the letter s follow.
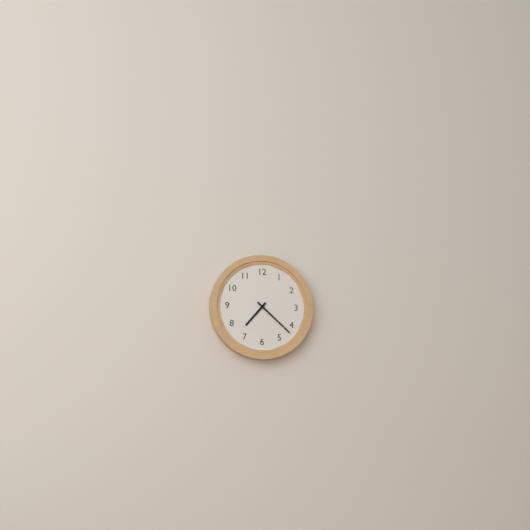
7h22
